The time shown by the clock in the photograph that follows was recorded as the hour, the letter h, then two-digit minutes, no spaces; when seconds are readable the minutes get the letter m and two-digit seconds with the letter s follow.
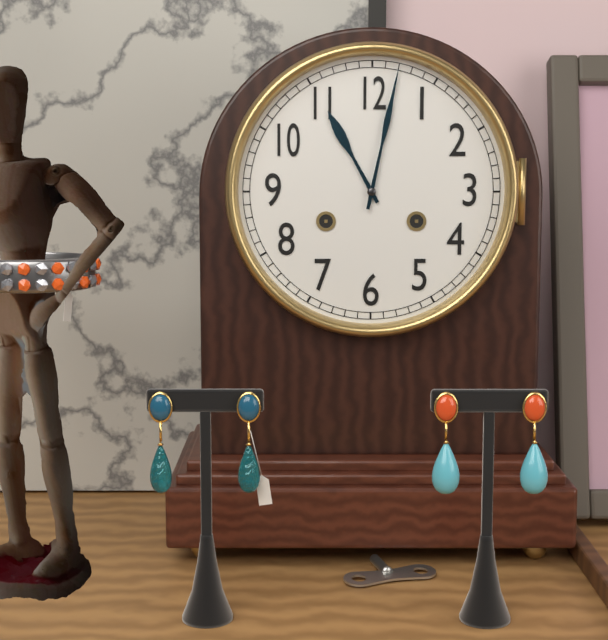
11h02
